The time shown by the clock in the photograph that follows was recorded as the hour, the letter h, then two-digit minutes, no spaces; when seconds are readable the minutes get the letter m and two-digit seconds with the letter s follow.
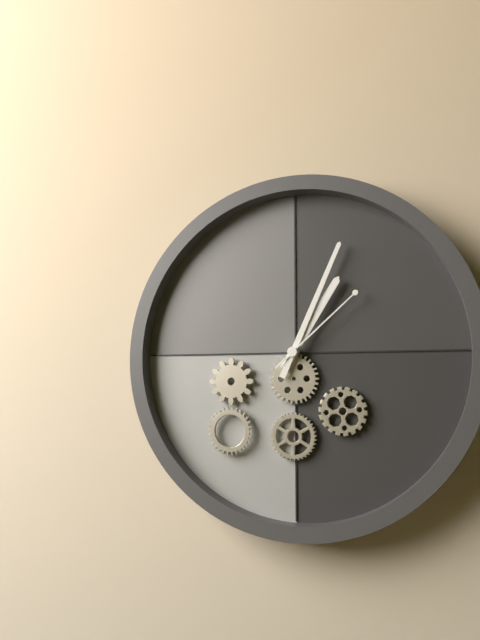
1h04m08s
